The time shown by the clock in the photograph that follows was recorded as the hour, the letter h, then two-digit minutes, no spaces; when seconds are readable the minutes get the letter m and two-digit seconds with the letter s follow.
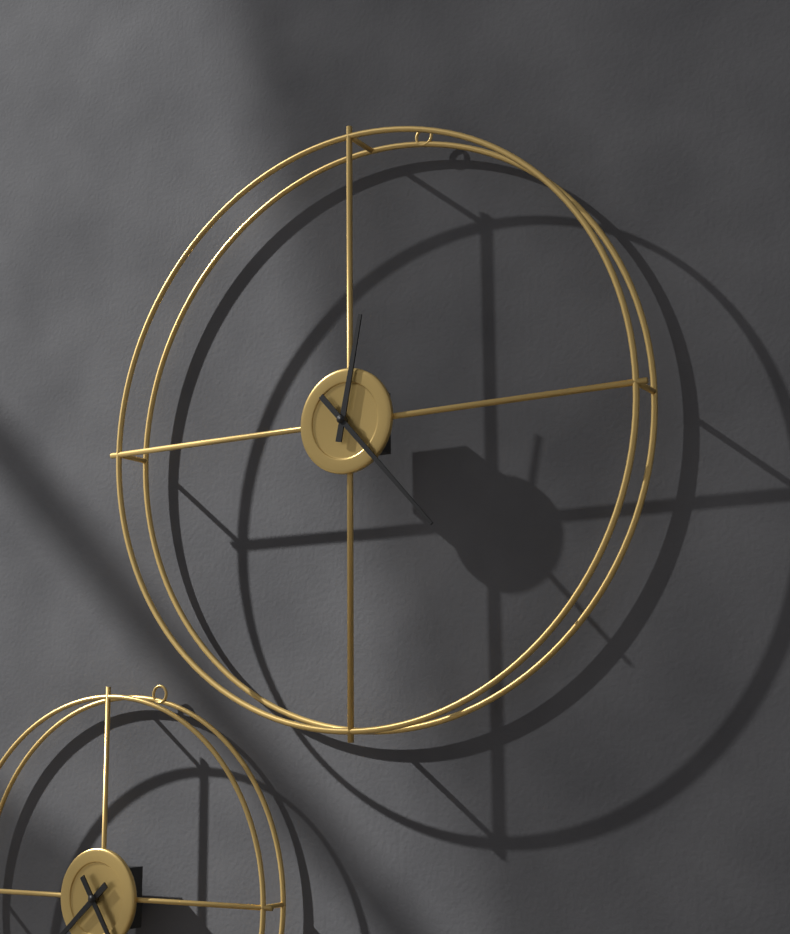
12h23
